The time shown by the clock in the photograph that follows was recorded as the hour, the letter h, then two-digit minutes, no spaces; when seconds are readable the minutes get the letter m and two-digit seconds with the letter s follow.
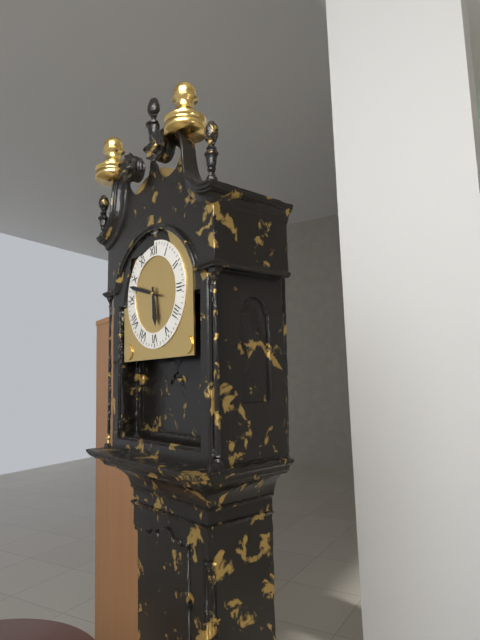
5h48
